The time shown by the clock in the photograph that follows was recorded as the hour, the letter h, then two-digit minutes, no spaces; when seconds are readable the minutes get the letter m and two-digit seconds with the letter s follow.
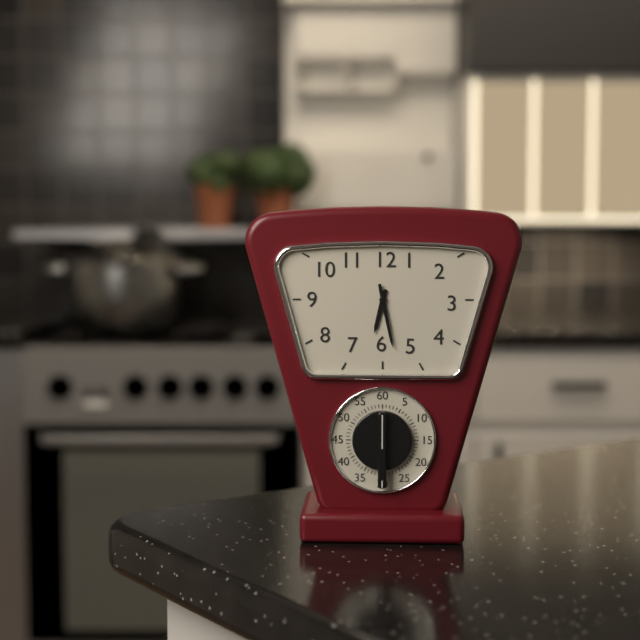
6h28
